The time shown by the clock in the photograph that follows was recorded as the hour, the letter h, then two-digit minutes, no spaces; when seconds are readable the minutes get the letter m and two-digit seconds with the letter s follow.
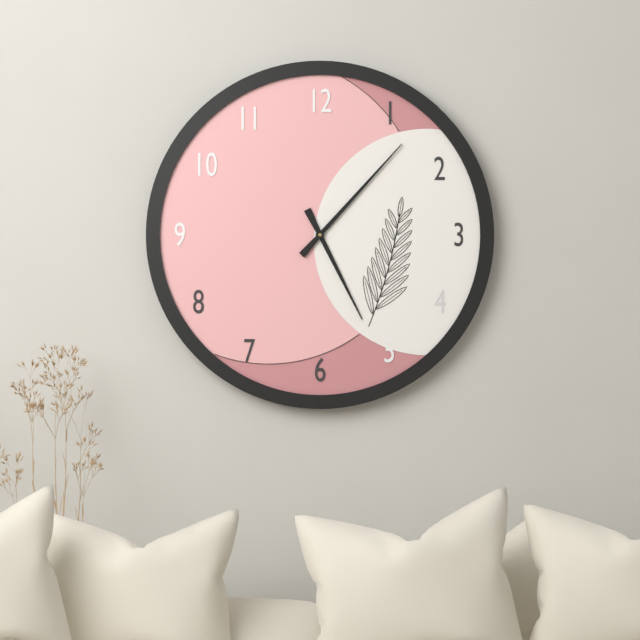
5h07
